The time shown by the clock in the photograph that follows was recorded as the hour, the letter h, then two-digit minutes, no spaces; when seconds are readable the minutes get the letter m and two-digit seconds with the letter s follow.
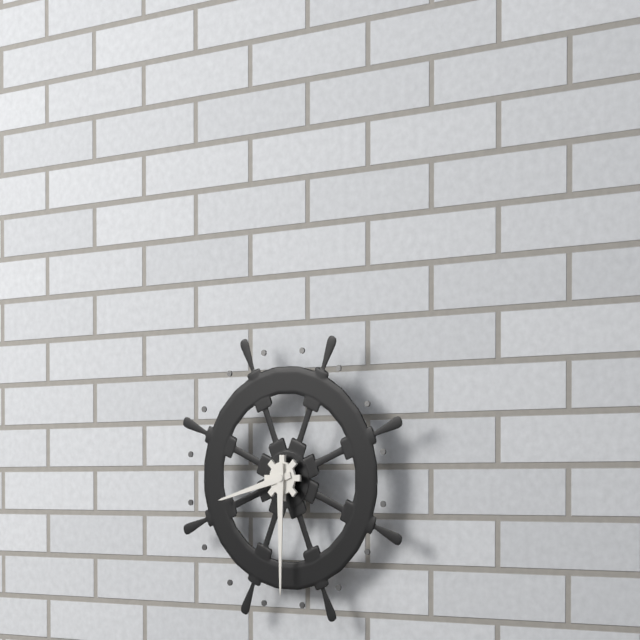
8h30
